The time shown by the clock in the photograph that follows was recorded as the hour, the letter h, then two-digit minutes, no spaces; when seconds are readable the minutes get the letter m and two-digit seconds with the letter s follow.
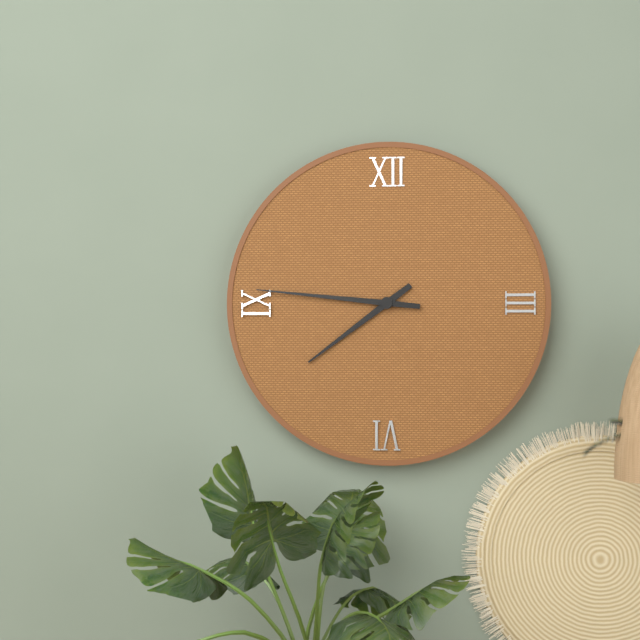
7h46
